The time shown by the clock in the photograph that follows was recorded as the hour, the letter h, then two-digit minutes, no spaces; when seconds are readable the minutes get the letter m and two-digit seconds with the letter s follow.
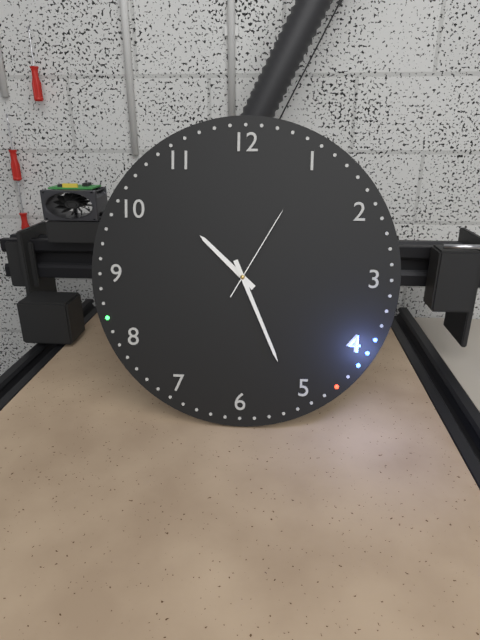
10h26m05s
